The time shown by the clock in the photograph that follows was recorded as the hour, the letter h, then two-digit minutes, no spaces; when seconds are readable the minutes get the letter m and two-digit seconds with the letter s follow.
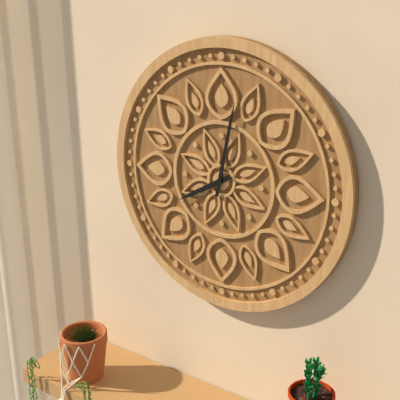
8h02
